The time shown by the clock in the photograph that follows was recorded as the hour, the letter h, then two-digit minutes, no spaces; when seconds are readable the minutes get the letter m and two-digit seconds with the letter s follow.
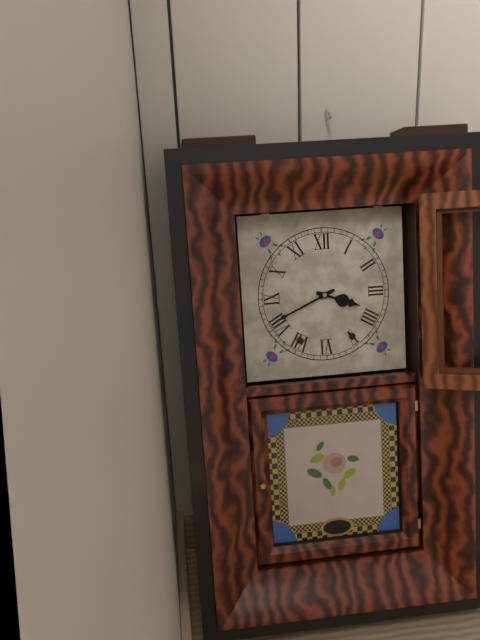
3h41
